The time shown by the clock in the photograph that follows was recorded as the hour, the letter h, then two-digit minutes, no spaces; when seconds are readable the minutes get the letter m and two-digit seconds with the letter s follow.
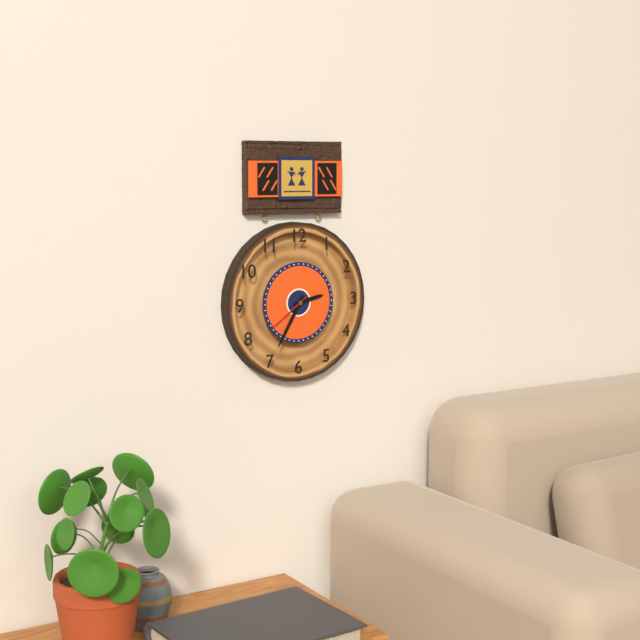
2h35
